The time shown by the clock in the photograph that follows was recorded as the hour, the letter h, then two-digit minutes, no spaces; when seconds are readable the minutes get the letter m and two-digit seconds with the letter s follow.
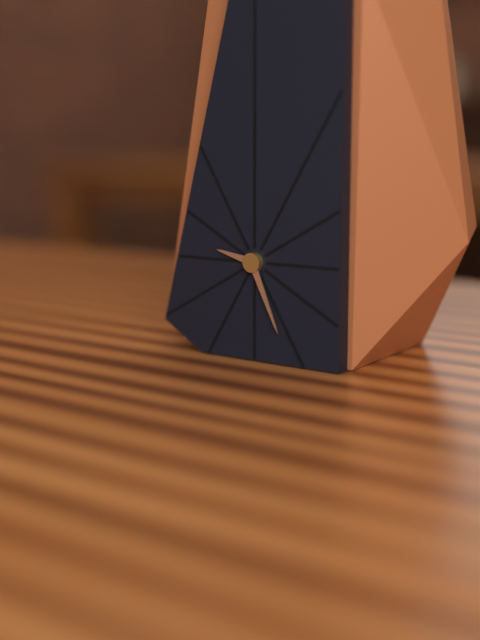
9h26
